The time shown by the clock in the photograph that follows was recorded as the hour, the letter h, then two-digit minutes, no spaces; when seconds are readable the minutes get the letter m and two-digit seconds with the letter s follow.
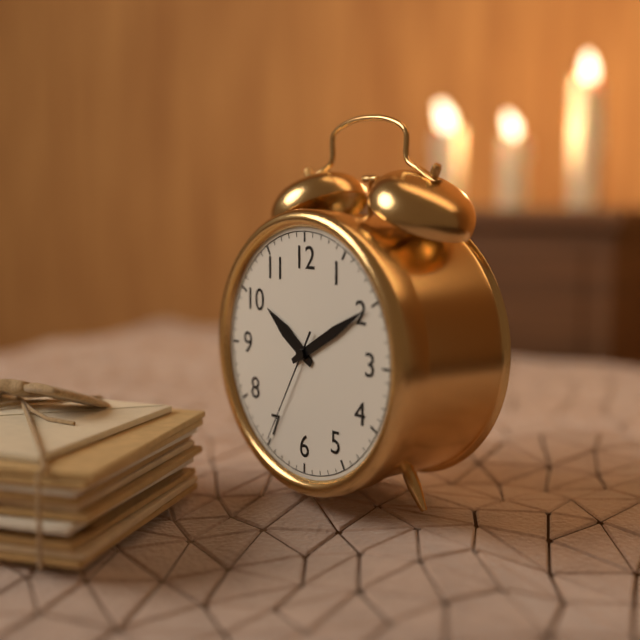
10h10m35s
